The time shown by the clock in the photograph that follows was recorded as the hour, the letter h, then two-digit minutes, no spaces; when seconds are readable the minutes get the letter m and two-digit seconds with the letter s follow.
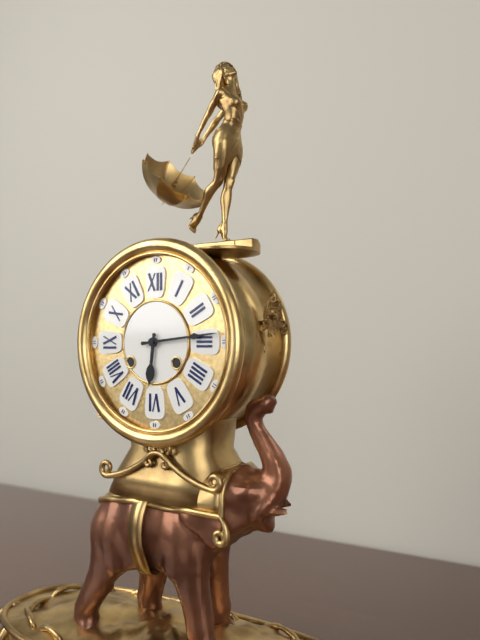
6h14
